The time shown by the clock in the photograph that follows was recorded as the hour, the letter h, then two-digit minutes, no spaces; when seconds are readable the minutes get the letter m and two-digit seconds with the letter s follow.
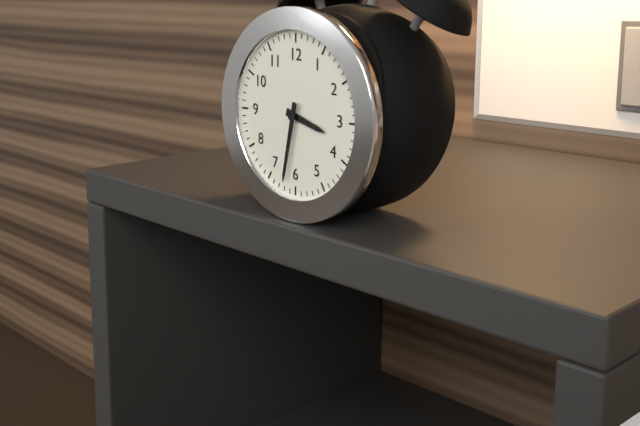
3h32
